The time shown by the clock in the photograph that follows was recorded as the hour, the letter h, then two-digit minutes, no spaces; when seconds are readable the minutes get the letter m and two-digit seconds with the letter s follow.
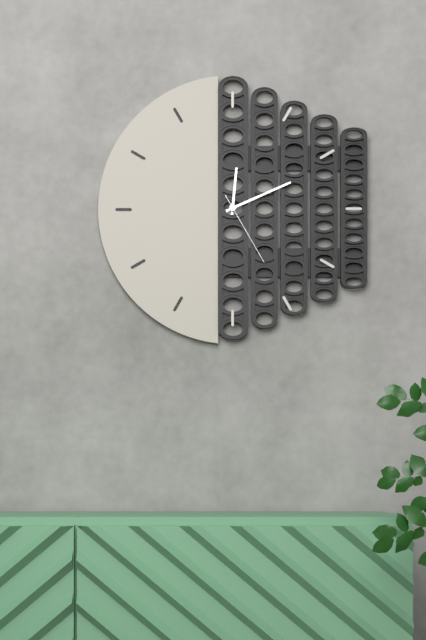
12h11m25s
